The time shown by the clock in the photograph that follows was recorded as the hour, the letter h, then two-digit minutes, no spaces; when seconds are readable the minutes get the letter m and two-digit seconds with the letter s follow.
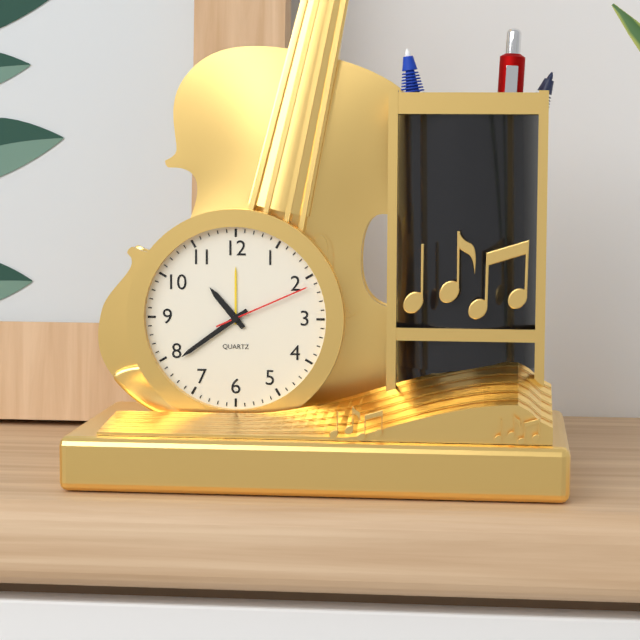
10h39m11s
